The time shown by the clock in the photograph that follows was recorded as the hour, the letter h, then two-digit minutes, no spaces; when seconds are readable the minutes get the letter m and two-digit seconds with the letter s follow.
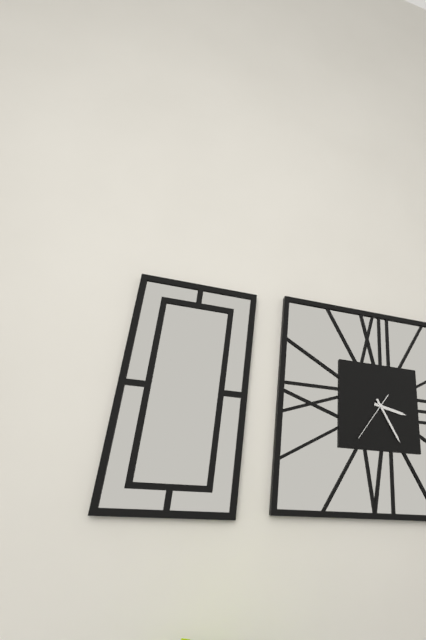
3h25
